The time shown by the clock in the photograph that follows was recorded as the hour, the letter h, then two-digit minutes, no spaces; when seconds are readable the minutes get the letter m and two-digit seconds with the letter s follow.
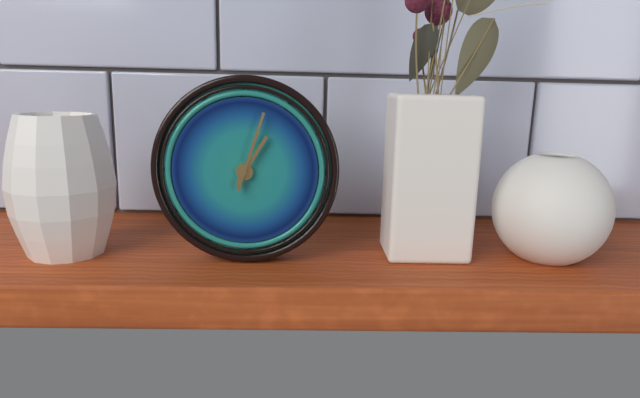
1h03
